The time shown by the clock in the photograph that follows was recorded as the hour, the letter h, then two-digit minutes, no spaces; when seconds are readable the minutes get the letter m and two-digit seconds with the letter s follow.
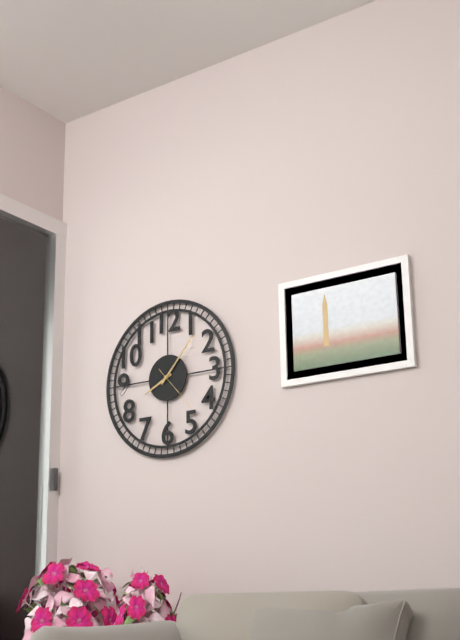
8h07
